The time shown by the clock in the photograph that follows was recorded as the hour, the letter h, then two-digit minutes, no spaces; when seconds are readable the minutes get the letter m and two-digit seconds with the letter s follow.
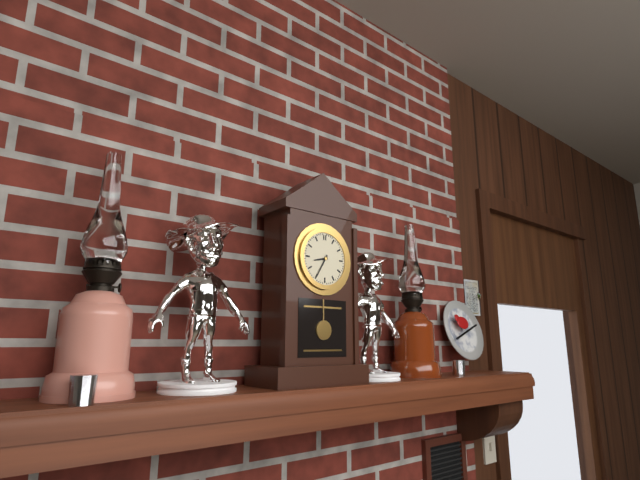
8h35
